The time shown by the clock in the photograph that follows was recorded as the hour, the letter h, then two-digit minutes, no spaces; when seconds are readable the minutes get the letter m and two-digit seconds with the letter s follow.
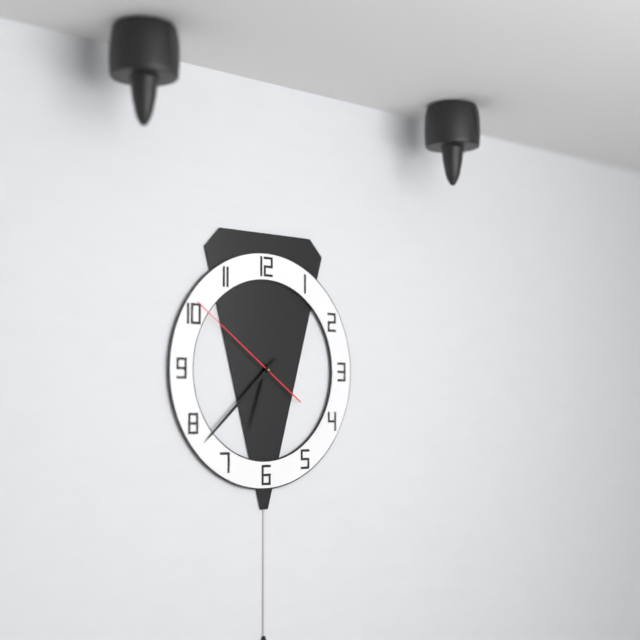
6h38m51s
